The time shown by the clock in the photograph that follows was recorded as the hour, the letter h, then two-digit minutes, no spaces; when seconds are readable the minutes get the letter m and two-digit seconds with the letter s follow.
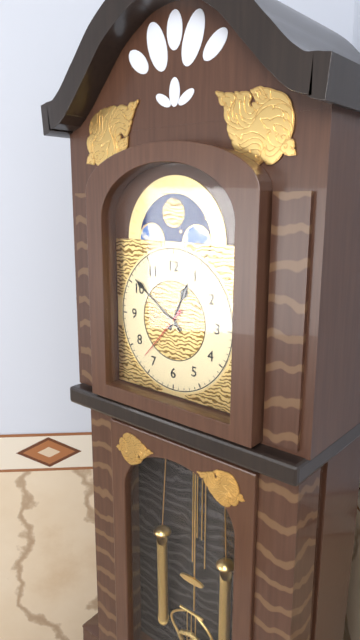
12h51m37s
